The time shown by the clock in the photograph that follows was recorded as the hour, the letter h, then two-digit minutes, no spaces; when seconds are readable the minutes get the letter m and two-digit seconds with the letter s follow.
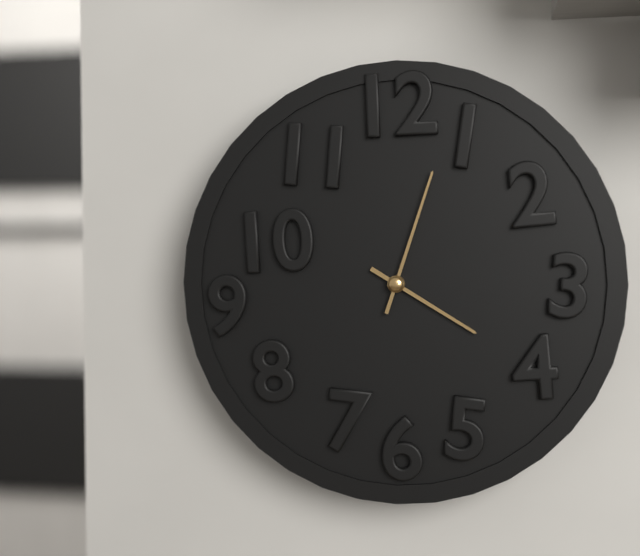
4h03
